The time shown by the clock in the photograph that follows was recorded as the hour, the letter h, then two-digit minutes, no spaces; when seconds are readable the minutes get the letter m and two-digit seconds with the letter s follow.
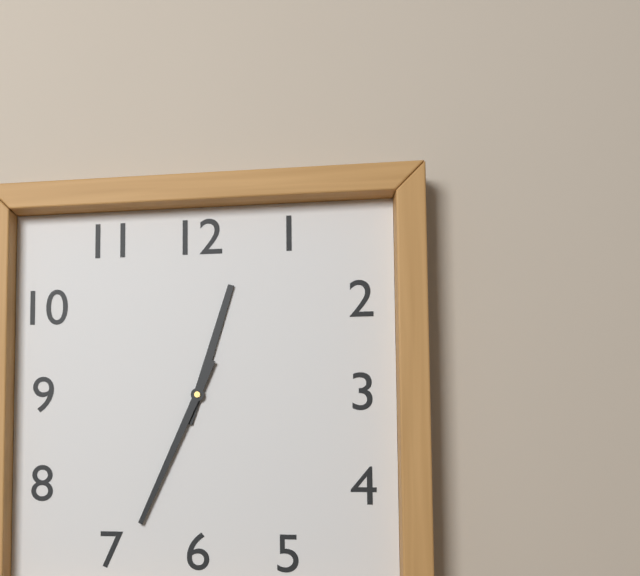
12h34
